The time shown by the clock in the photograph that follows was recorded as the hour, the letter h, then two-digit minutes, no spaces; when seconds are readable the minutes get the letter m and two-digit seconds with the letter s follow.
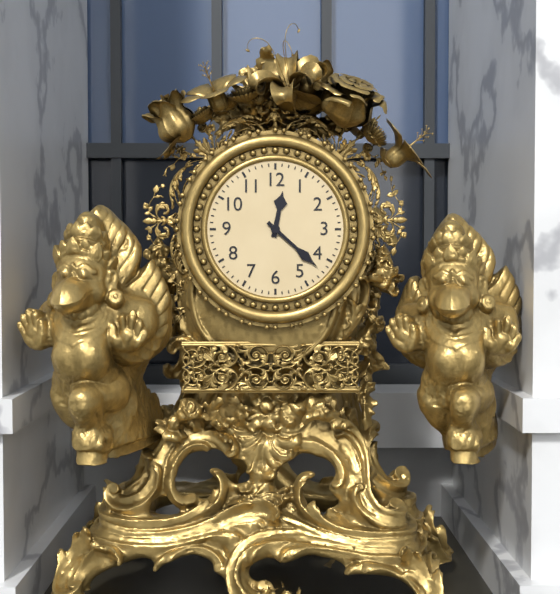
12h22
